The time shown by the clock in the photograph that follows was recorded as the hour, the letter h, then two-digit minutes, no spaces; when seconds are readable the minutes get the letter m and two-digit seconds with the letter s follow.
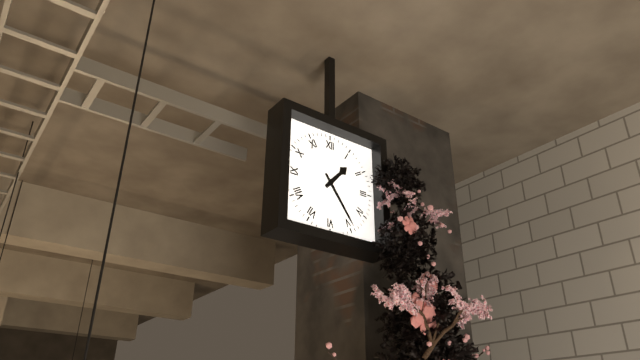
1h24
